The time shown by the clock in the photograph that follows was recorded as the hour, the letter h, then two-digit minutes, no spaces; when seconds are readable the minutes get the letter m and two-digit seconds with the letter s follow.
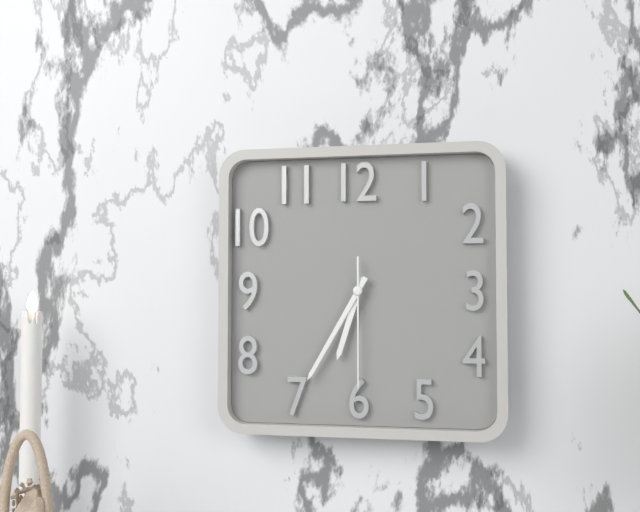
6h35m30s
